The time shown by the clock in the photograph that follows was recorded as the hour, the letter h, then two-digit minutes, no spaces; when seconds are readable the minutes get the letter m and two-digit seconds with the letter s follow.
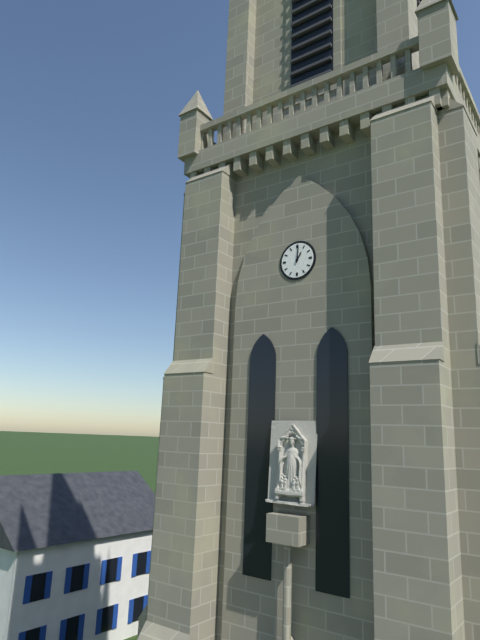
1h01
